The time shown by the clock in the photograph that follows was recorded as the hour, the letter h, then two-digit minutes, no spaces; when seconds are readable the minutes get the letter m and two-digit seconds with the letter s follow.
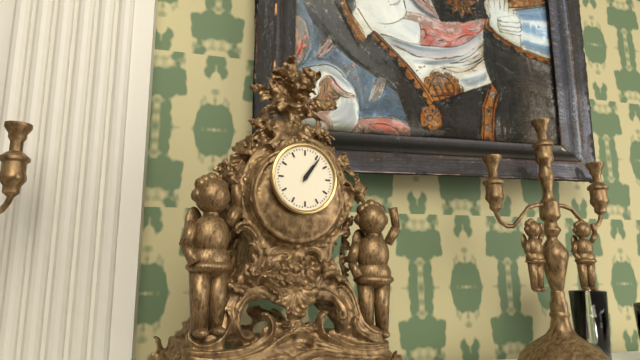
1h06
